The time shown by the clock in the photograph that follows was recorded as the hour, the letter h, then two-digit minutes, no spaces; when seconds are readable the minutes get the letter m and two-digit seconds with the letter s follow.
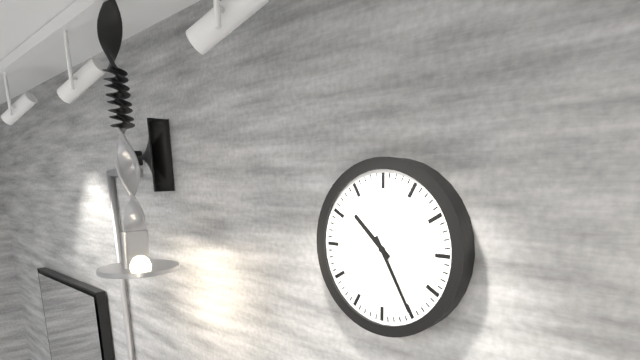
10h25
